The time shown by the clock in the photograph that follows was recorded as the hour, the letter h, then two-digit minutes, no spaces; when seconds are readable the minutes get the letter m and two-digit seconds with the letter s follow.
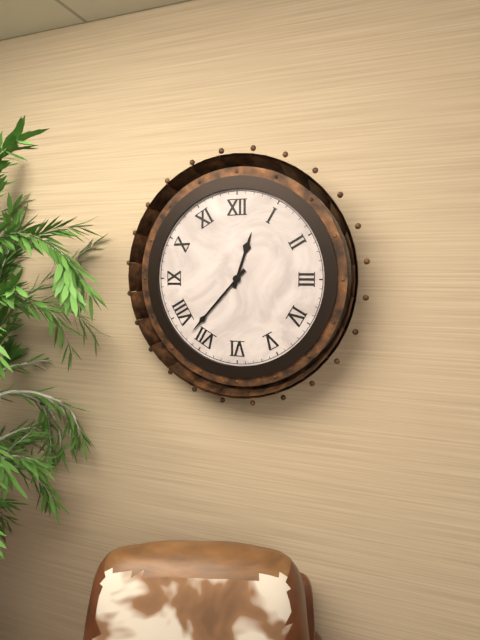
12h37
